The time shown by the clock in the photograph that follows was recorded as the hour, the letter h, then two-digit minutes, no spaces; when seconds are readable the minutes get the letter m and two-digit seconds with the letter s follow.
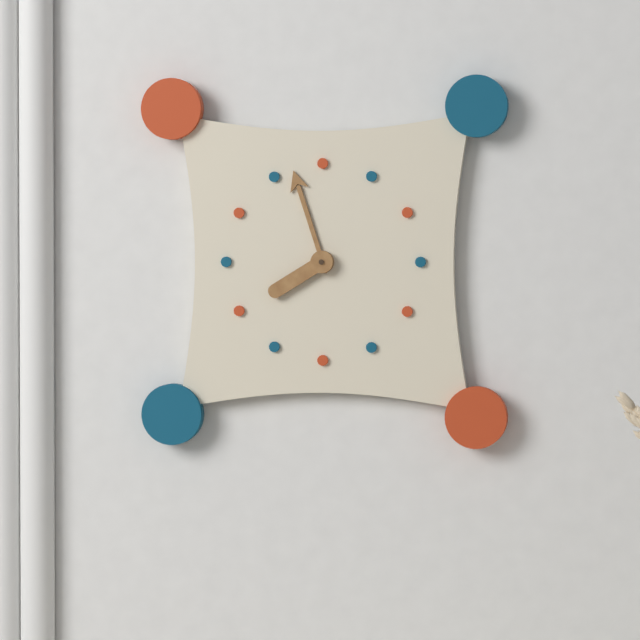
7h57
